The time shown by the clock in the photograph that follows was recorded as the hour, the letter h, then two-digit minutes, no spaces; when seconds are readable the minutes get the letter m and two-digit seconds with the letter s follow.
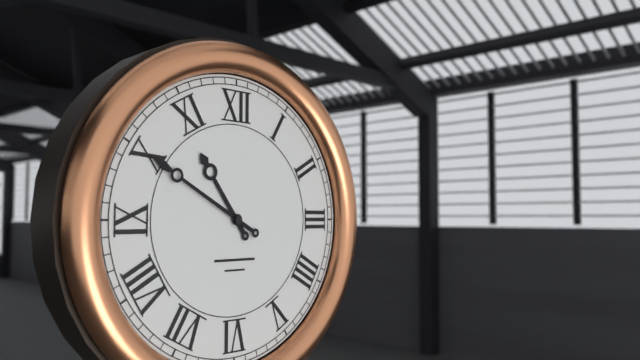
10h50
